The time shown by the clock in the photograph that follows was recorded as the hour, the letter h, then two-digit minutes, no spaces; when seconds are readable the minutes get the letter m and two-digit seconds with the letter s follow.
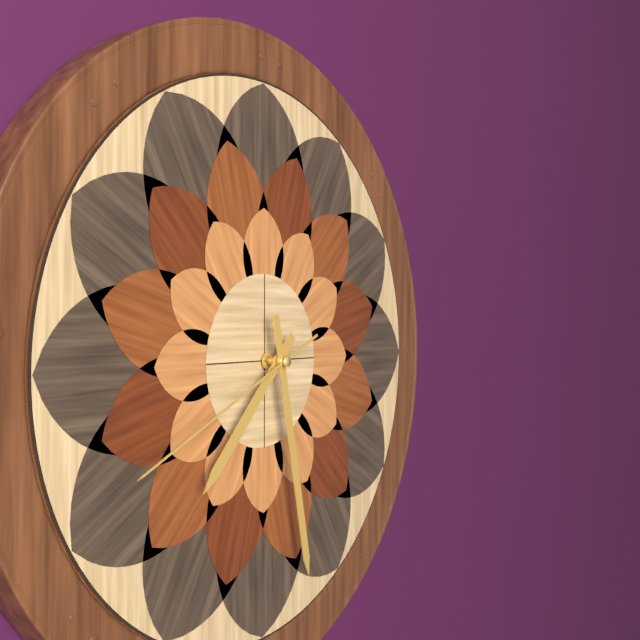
7h28m41s
